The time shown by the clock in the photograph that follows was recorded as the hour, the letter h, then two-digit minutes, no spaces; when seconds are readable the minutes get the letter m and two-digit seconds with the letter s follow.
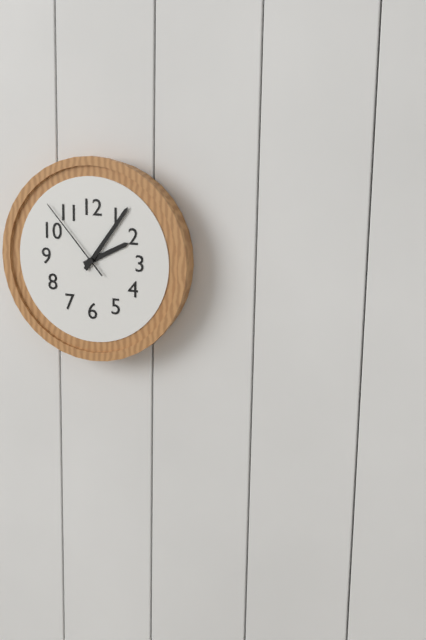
2h06m53s
